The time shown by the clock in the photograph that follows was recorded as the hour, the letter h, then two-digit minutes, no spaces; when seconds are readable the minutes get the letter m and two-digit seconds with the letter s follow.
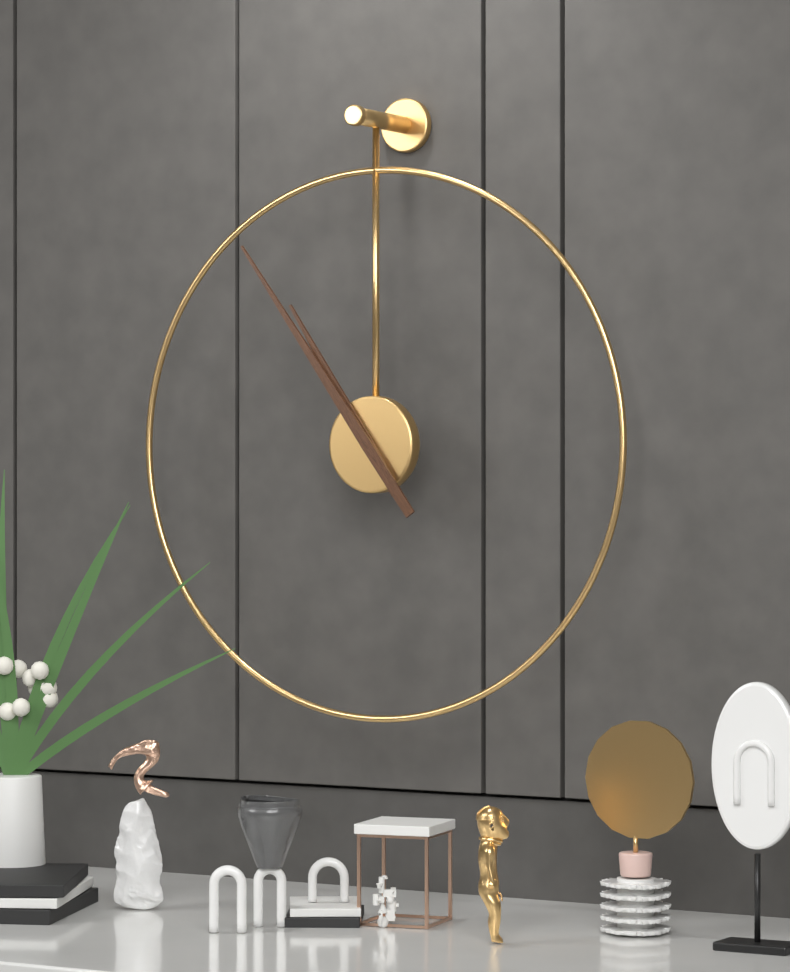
10h54
